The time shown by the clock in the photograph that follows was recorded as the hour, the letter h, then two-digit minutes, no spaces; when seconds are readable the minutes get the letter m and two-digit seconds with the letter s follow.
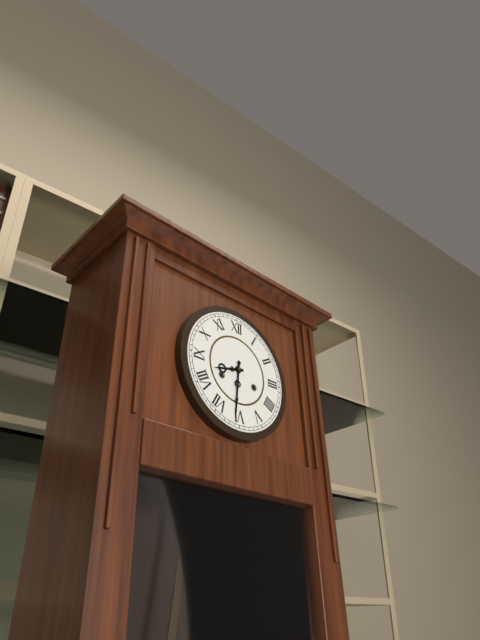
8h31
